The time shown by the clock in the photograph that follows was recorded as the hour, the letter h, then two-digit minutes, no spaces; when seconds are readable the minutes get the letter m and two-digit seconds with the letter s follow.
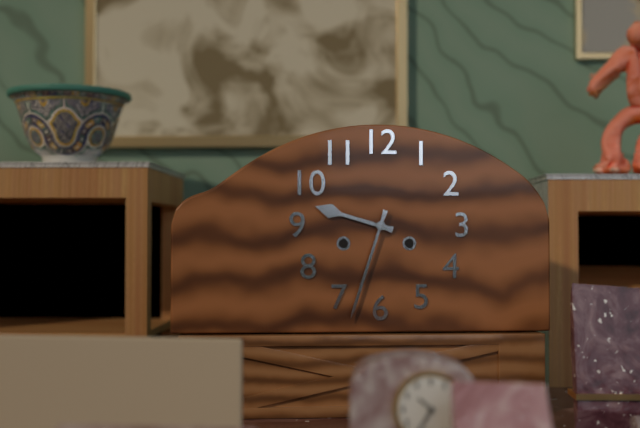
9h33
